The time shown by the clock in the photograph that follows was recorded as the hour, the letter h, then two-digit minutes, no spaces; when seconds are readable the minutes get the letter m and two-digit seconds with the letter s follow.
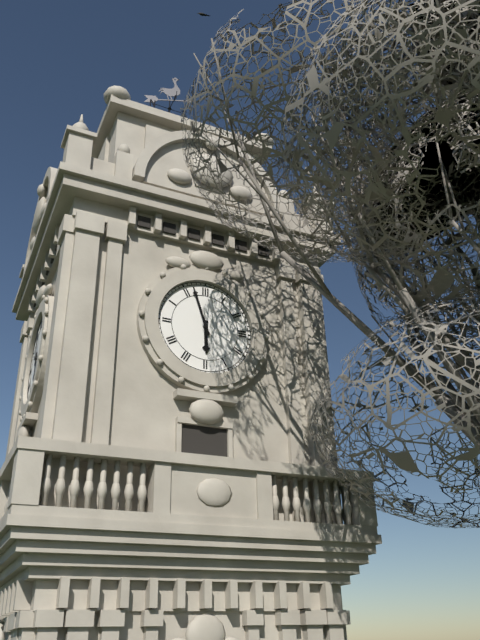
5h57
